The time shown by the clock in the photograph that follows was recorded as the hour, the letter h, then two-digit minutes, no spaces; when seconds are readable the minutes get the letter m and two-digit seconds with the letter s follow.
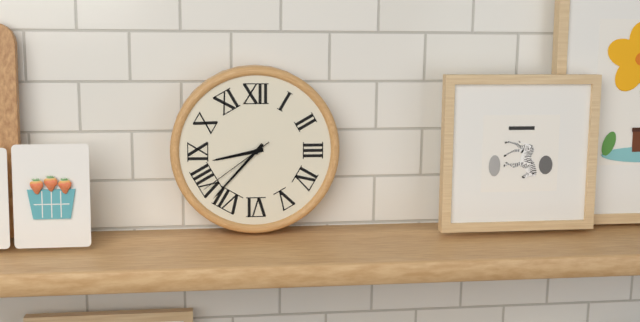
8h37m39s
